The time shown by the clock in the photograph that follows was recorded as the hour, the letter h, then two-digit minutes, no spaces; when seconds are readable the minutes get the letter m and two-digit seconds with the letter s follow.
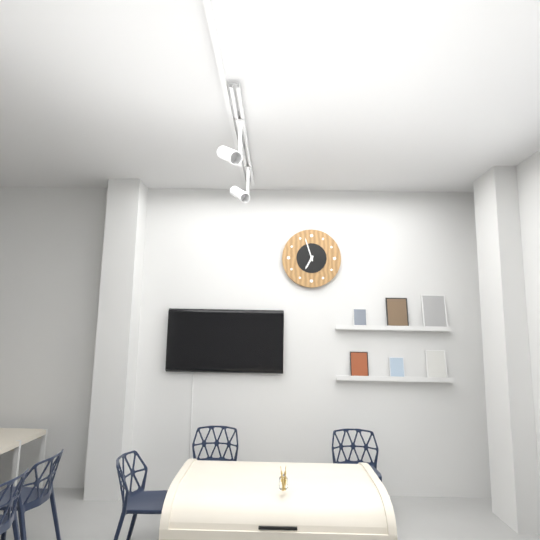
6h57
